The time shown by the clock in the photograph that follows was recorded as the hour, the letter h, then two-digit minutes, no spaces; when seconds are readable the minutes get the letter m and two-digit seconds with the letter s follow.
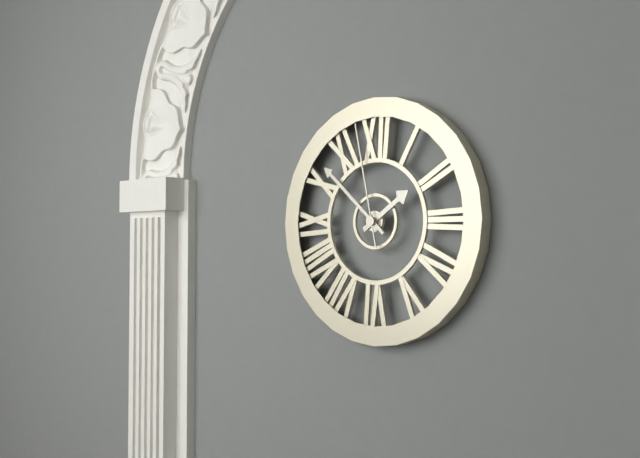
1h52m58s
